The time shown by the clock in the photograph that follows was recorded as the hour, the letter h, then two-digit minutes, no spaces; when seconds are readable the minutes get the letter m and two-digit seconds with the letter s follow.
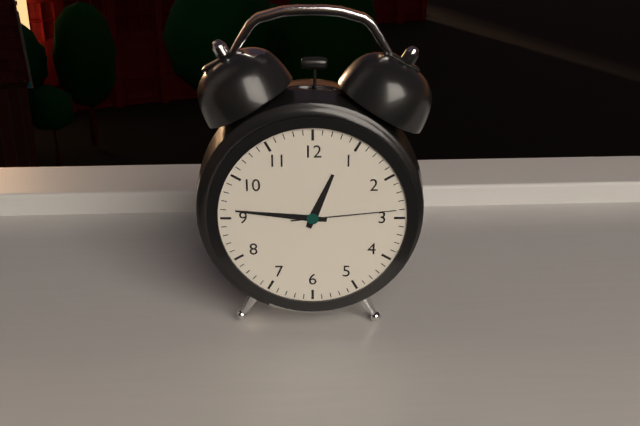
12h46m14s
